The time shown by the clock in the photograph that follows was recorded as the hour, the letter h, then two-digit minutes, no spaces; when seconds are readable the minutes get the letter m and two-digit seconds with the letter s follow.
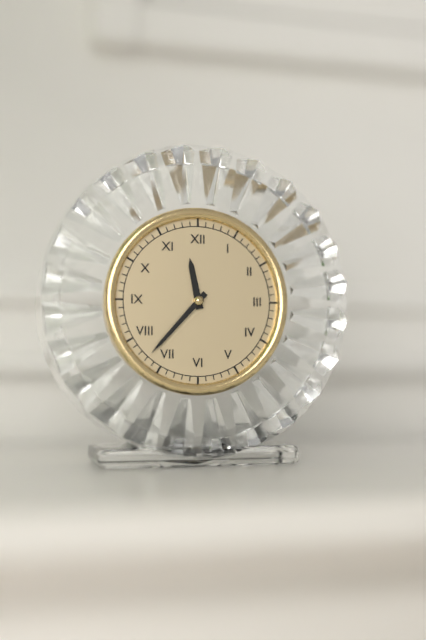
11h37
